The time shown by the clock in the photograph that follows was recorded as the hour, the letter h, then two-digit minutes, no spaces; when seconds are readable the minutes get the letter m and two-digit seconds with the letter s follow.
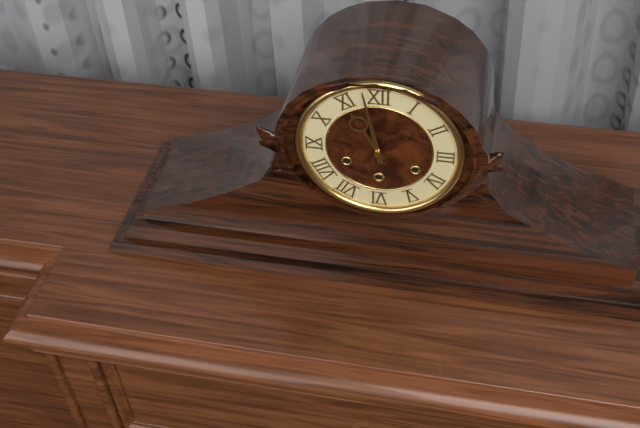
10h58
